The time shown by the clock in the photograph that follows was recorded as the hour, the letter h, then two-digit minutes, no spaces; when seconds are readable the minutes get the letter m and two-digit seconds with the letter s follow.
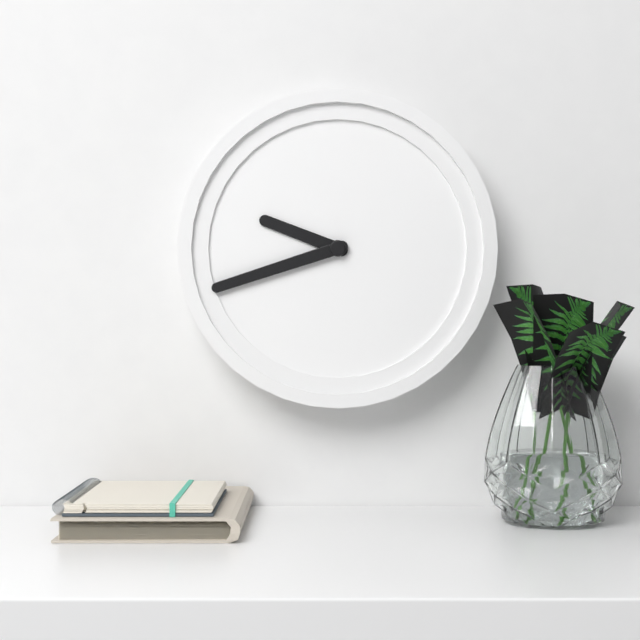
9h42
